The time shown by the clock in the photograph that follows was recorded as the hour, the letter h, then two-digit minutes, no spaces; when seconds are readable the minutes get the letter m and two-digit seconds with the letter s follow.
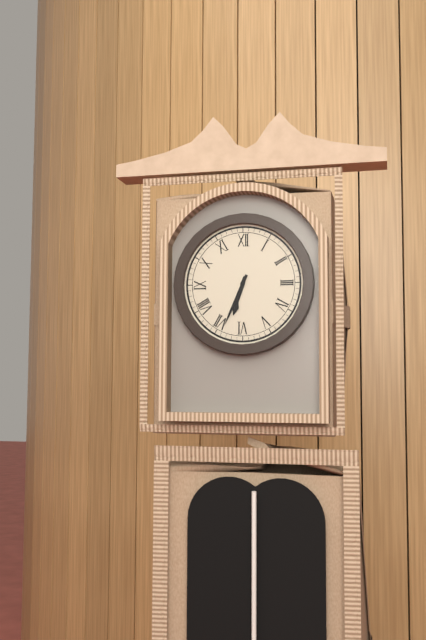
6h34
